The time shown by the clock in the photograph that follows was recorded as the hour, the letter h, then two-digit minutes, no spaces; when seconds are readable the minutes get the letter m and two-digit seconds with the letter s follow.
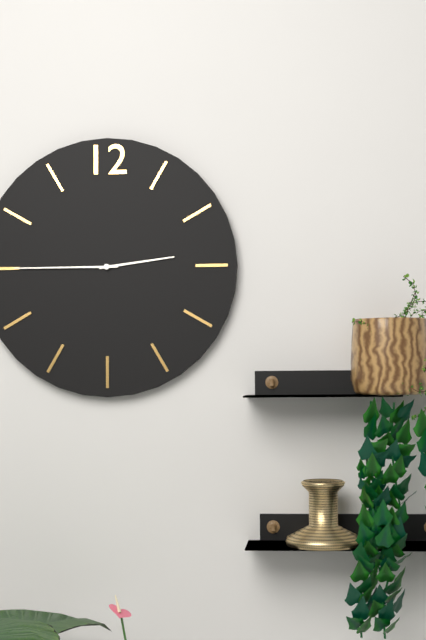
2h45
